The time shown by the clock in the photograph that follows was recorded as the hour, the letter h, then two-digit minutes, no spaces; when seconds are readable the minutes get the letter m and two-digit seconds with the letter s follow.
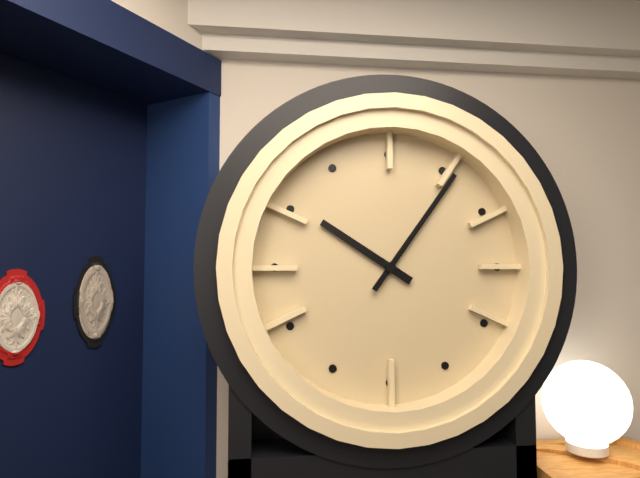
10h06
